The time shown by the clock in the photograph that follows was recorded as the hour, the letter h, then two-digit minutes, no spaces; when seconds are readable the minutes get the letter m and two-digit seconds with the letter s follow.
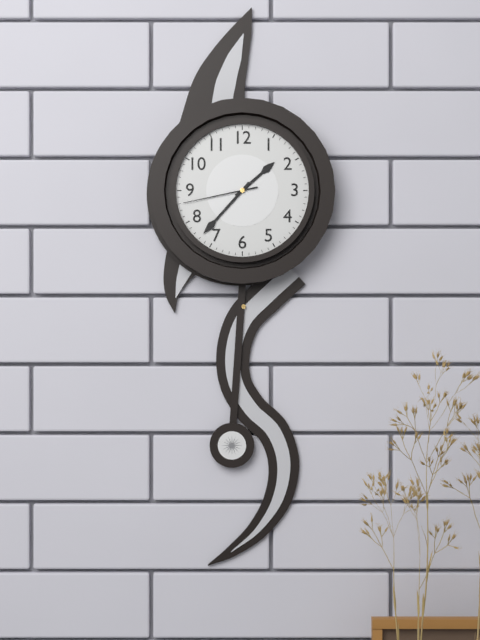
1h37m43s
